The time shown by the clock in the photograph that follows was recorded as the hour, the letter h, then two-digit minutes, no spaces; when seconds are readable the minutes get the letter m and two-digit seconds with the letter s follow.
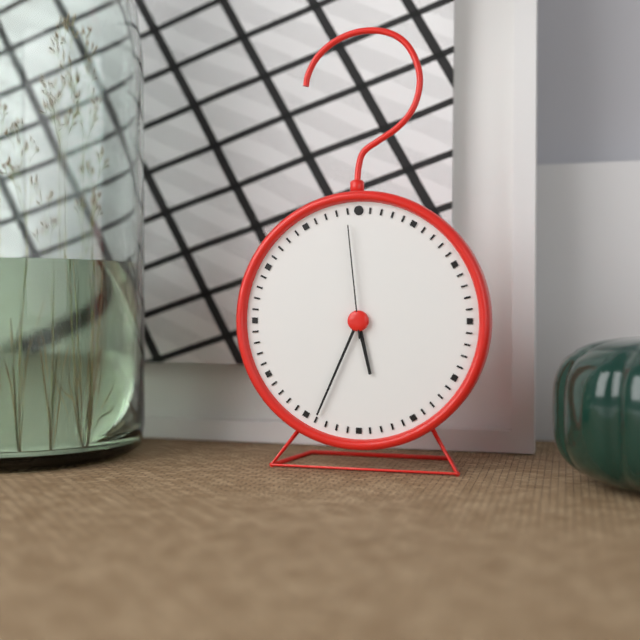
5h34m59s
